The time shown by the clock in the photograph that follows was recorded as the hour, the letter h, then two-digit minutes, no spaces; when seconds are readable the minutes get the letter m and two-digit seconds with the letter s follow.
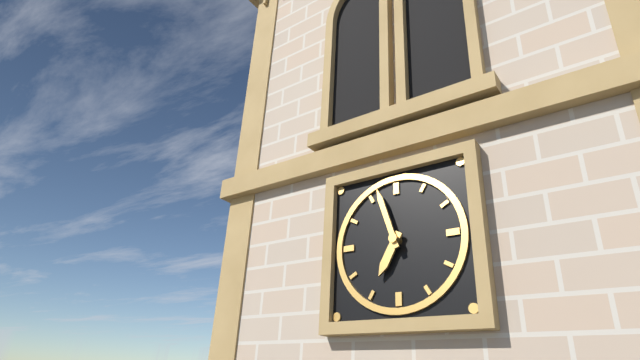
6h57
